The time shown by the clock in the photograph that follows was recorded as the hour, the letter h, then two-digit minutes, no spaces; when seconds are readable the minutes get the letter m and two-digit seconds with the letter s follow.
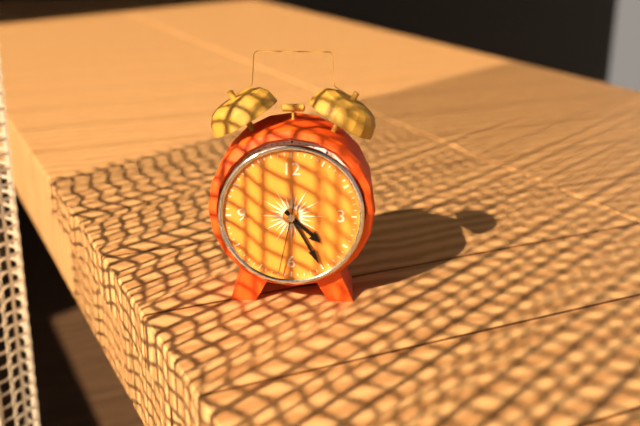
4h25m32s
